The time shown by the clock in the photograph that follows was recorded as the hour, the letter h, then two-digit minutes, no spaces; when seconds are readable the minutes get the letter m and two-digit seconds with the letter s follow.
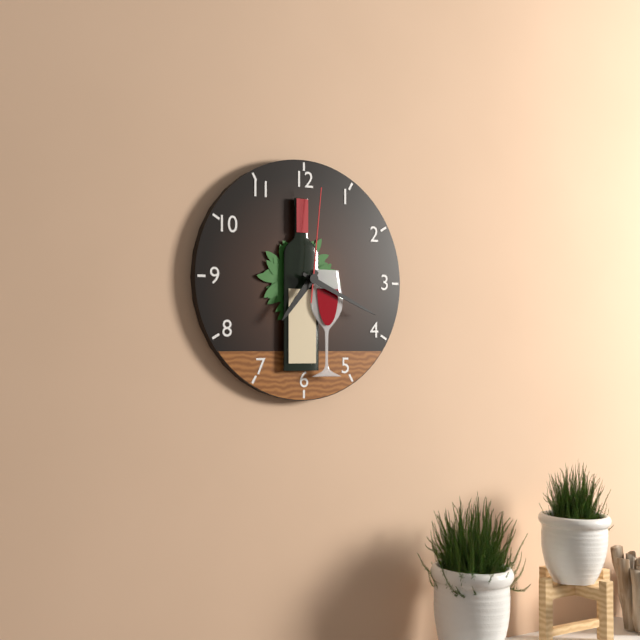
7h19m01s
